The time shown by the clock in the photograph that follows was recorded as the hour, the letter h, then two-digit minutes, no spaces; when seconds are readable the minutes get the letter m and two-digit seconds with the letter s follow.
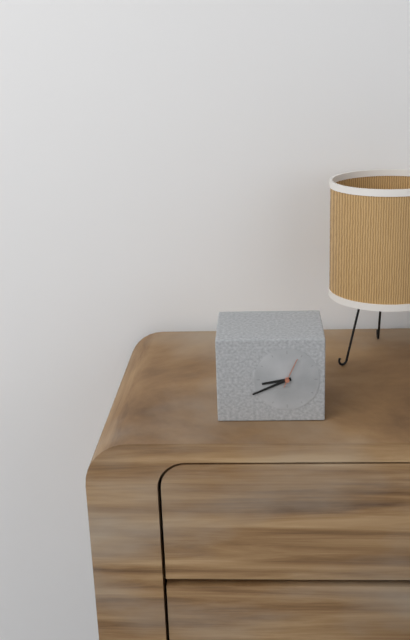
8h41
